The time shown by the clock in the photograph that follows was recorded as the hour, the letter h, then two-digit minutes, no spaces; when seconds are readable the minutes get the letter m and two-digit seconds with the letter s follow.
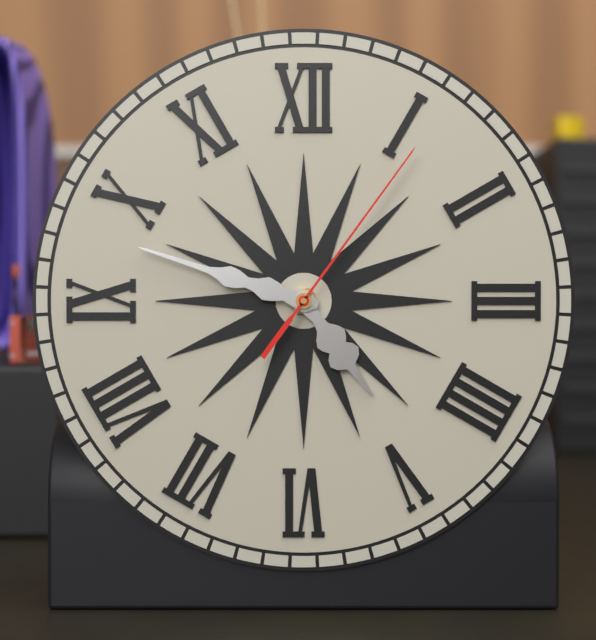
4h48m06s
